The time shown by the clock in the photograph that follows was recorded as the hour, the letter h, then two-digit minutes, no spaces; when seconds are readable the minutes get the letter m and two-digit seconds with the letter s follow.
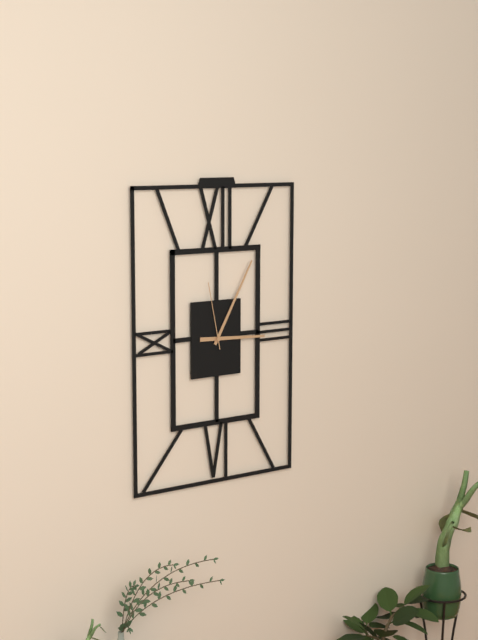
3h05m58s
